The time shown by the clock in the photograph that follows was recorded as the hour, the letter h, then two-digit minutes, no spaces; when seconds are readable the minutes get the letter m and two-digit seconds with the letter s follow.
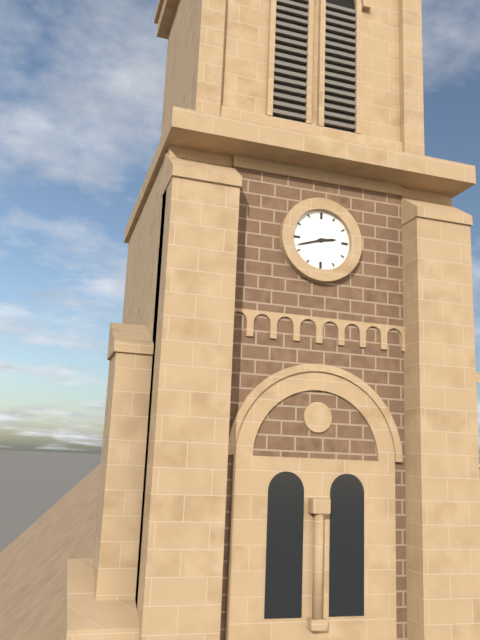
2h42
